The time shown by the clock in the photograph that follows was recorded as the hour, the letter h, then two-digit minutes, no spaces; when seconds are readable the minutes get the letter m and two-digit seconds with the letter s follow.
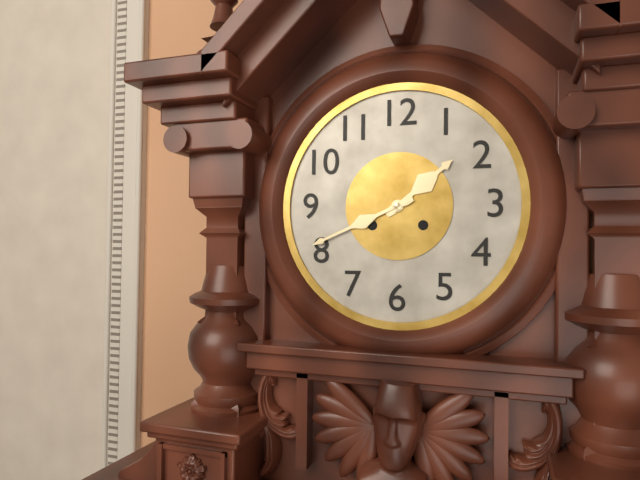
1h41
